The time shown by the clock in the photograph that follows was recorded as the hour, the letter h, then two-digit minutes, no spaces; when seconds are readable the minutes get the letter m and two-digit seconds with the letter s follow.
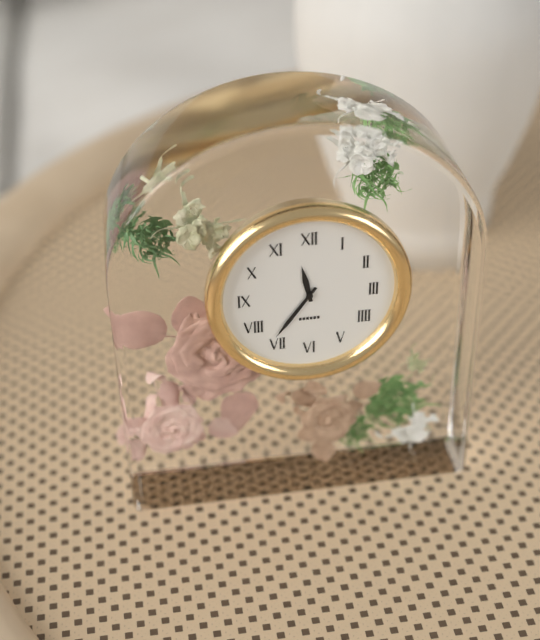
11h36
